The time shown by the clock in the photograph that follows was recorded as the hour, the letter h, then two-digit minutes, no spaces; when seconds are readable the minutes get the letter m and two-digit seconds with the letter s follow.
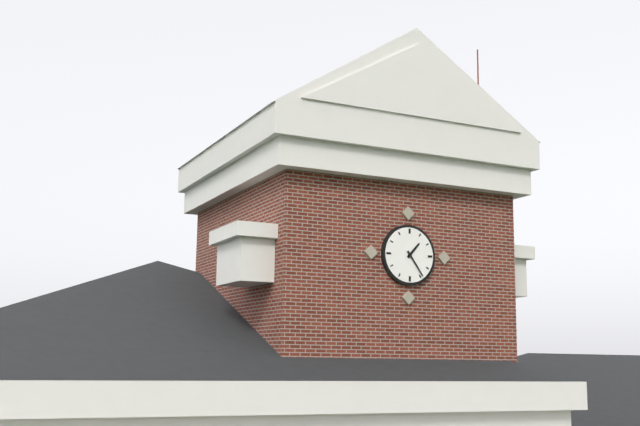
1h24
